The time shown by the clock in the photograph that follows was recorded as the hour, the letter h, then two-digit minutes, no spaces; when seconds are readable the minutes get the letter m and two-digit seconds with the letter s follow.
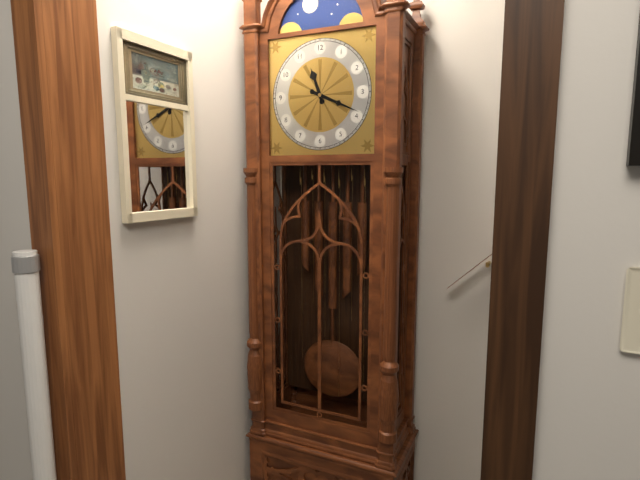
11h19
